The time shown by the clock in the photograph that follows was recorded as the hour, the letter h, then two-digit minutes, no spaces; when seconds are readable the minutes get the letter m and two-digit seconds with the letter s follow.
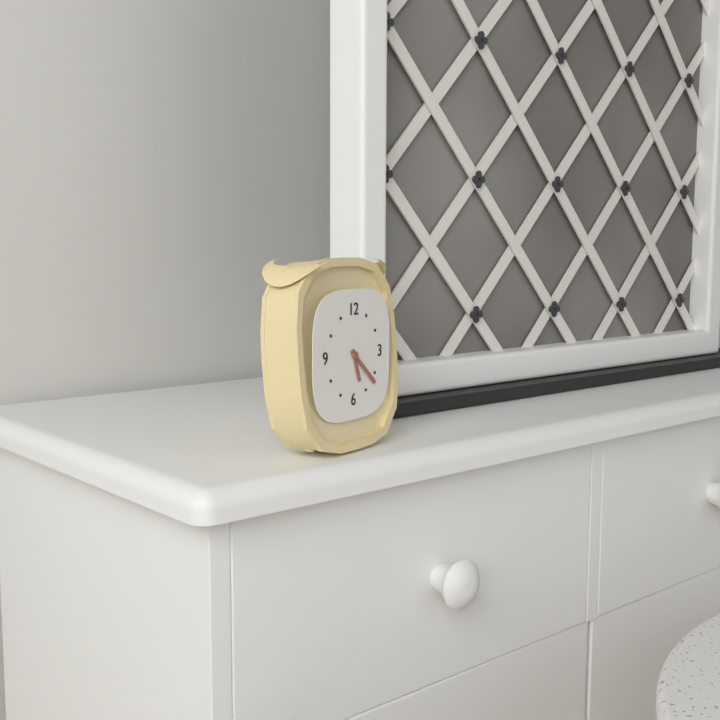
5h22
